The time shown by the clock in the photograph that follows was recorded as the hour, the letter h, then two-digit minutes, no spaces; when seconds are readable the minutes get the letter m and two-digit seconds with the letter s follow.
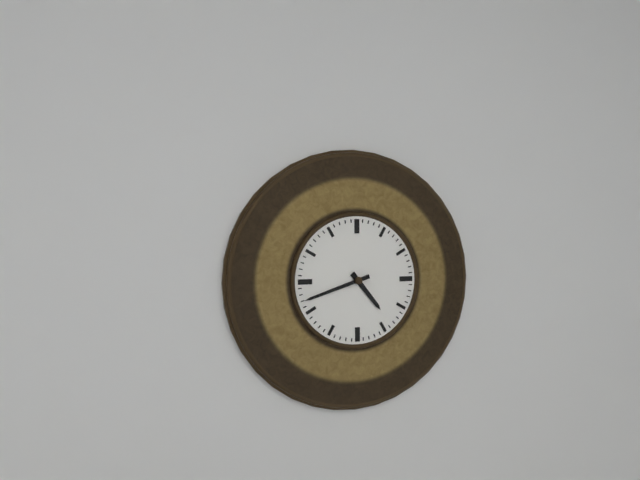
4h42
